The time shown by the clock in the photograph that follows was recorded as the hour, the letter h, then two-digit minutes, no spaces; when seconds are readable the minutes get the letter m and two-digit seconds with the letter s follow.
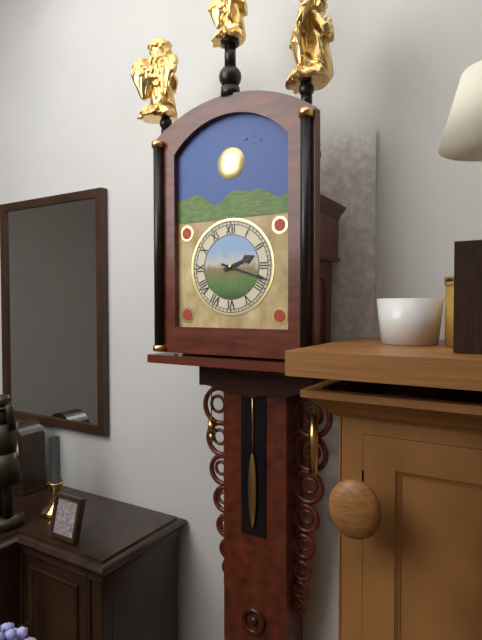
2h18
